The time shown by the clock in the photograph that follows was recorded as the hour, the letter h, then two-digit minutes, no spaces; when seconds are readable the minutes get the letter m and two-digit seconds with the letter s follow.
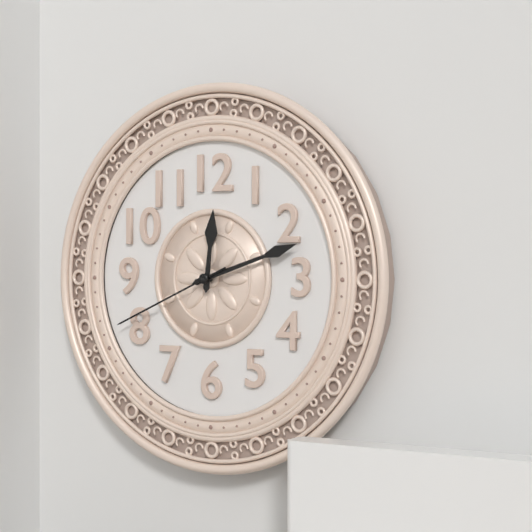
12h12m41s
